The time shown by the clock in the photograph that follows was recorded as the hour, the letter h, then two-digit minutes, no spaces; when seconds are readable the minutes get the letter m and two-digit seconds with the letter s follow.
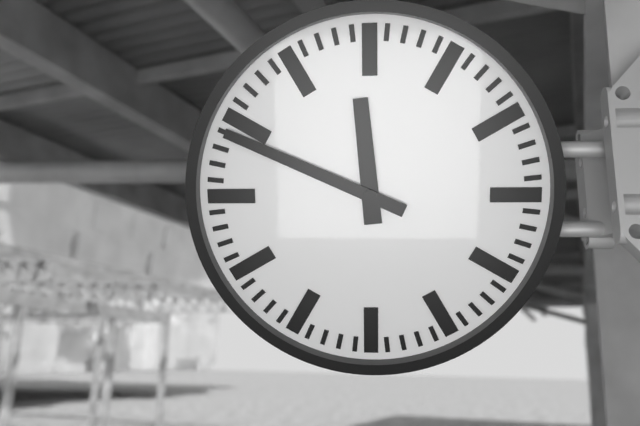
11h49
